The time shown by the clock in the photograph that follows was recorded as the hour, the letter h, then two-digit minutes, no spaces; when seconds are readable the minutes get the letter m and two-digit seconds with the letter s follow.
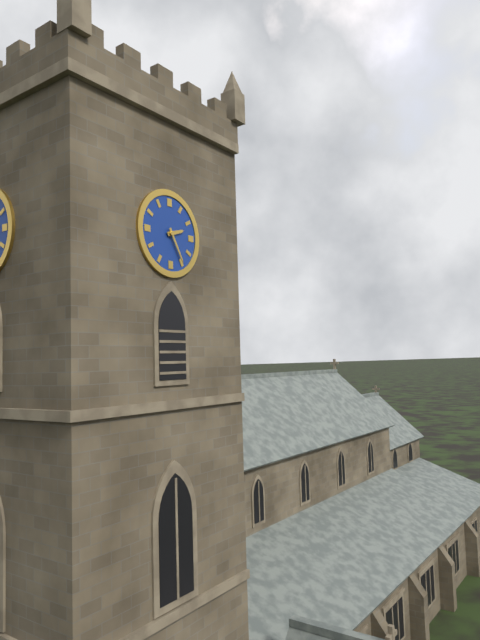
2h25
